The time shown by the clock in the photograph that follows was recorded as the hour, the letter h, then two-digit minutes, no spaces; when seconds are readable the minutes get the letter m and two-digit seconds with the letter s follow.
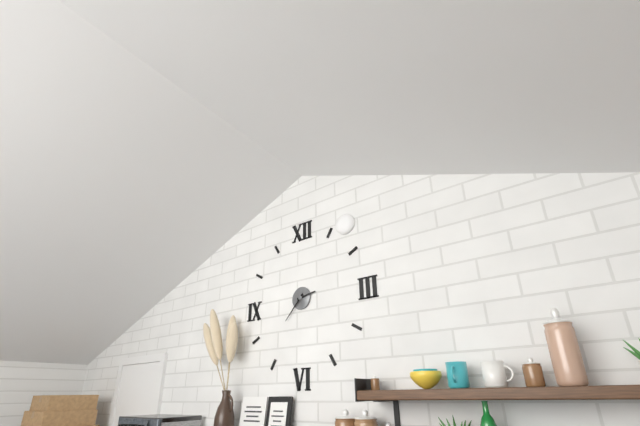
2h37
